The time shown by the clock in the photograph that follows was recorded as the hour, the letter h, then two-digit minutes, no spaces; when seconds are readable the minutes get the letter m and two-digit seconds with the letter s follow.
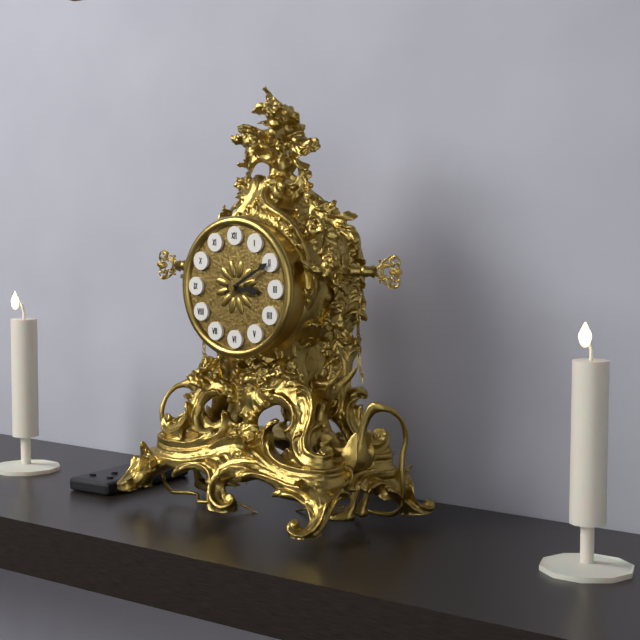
3h10
